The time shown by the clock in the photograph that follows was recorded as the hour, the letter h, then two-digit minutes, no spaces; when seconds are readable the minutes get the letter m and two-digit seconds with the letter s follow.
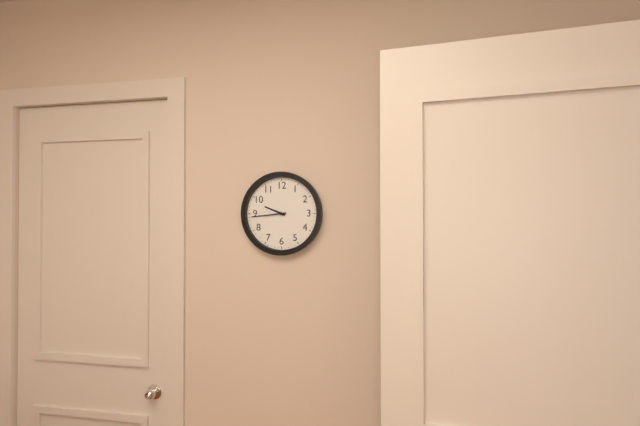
9h44
